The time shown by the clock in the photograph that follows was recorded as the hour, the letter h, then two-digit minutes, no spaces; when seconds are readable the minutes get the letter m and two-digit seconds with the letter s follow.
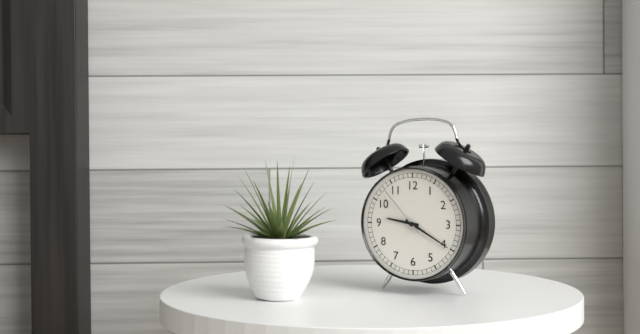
9h20m53s
